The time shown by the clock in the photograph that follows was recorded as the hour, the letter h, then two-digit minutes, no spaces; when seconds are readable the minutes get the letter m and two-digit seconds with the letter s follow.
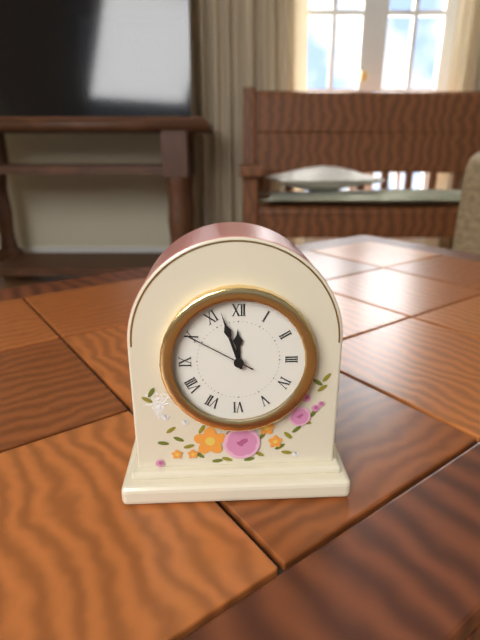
11h57m50s
